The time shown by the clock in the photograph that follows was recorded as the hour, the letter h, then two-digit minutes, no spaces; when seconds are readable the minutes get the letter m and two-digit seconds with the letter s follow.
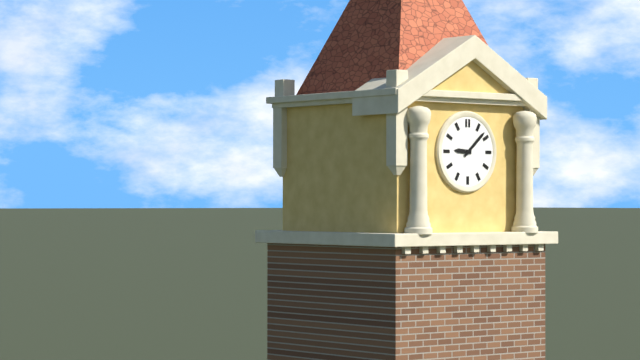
9h08
